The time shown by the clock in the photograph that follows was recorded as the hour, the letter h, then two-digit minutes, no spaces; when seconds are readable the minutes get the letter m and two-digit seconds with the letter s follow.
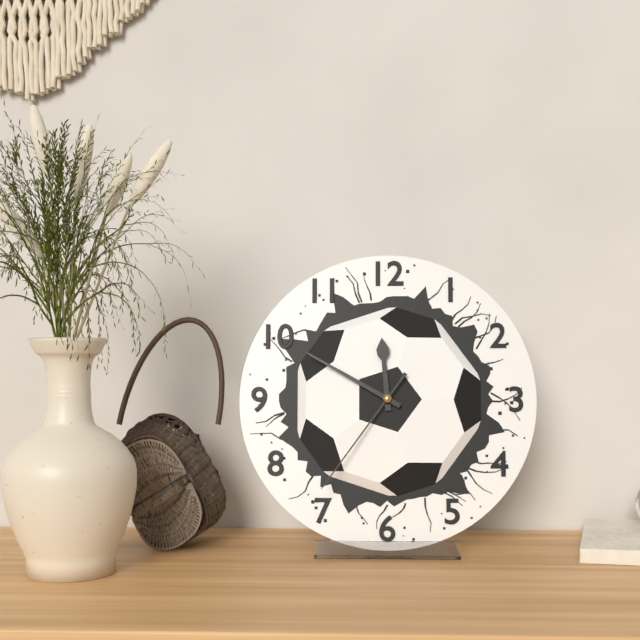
11h50m36s
